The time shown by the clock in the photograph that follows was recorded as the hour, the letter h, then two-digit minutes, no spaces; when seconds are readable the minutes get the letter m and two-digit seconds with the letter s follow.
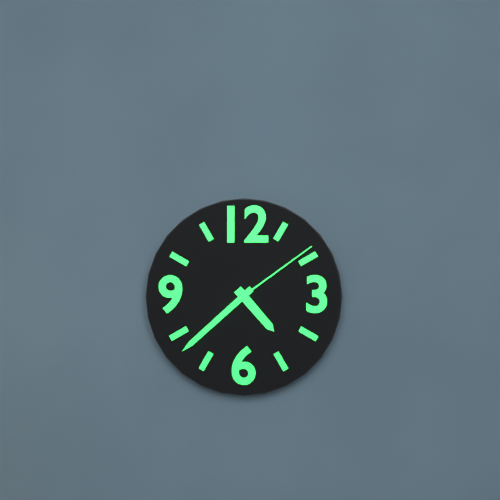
4h38m09s
